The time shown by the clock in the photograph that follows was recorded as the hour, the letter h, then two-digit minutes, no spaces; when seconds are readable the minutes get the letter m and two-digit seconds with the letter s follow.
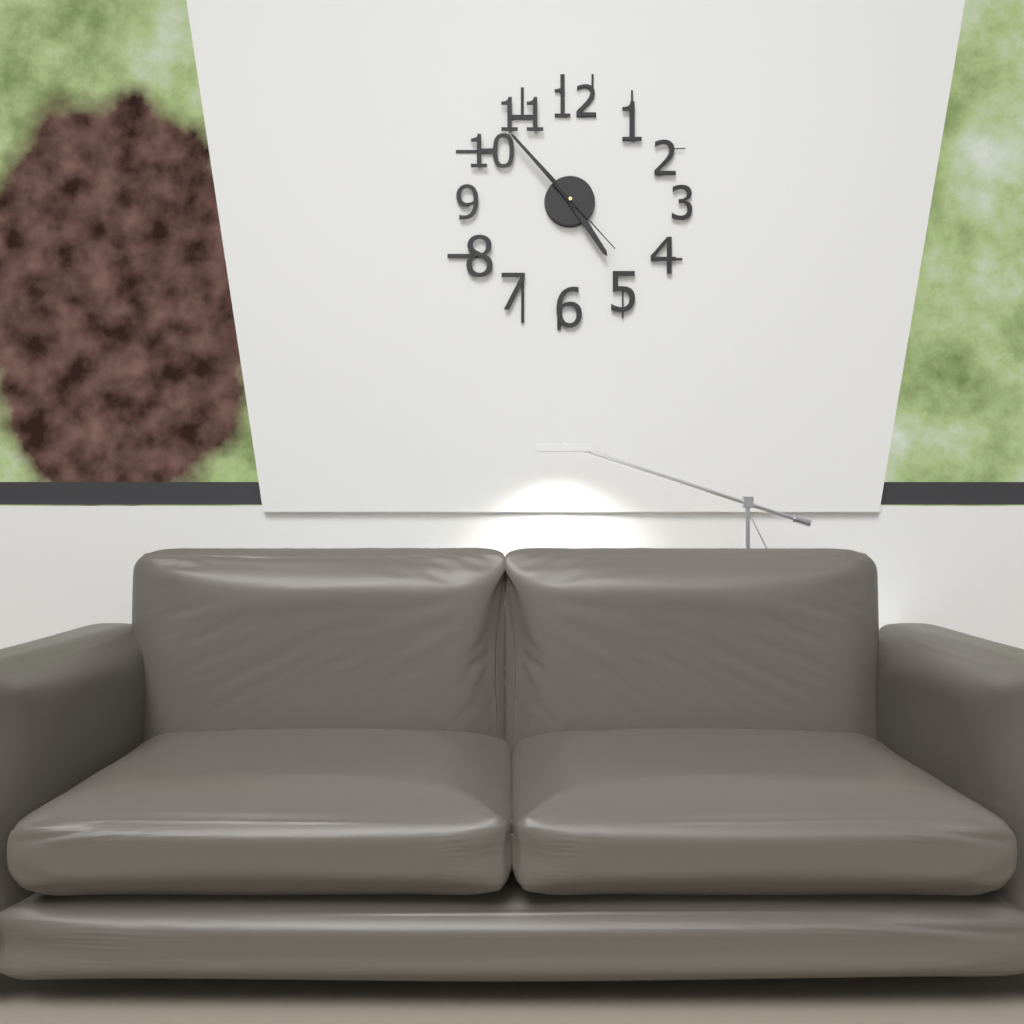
4h53m23s
